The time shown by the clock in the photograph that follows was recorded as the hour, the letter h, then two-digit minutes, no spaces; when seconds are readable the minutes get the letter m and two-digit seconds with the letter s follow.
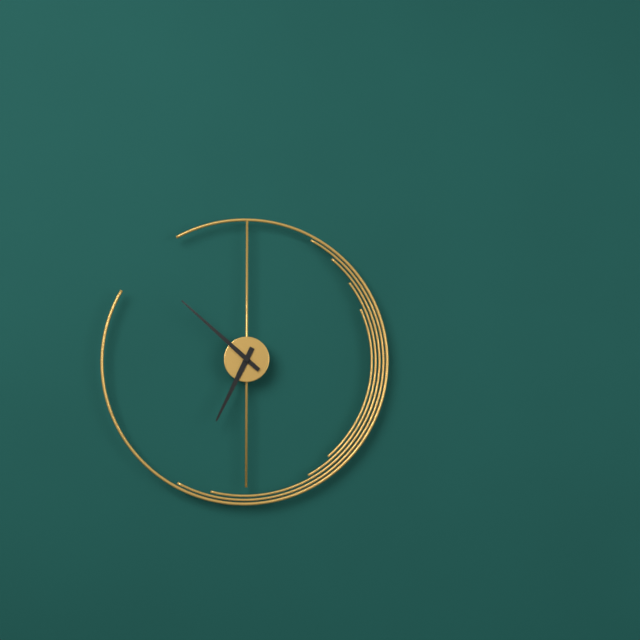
6h52
